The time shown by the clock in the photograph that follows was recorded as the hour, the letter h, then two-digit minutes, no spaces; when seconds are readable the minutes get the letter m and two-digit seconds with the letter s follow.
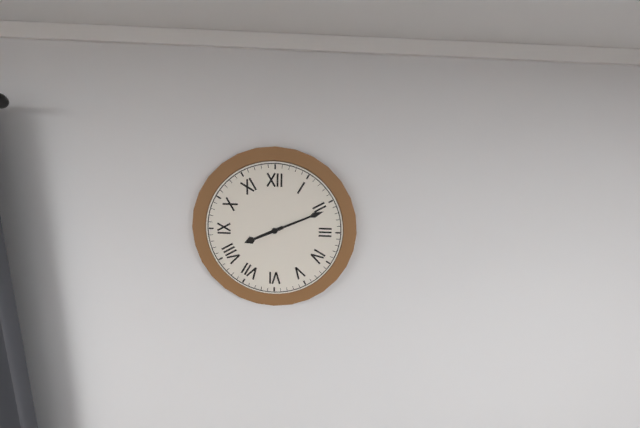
8h11
